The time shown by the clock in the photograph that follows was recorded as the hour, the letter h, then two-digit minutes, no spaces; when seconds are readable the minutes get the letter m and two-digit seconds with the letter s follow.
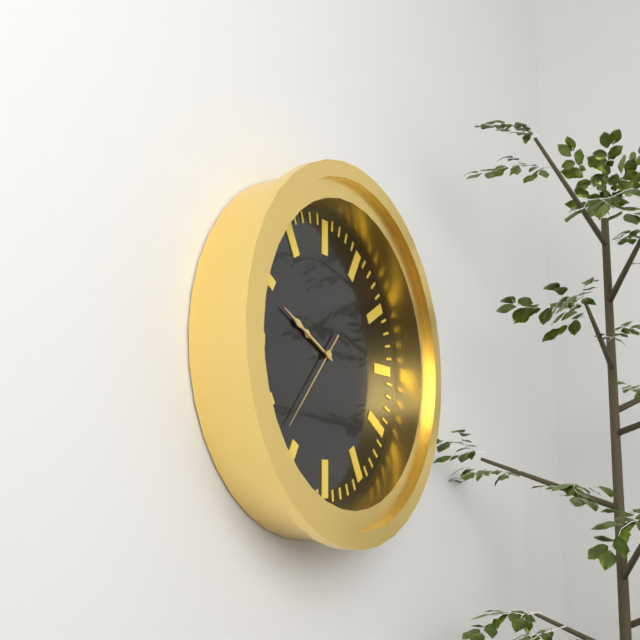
9h49m37s
